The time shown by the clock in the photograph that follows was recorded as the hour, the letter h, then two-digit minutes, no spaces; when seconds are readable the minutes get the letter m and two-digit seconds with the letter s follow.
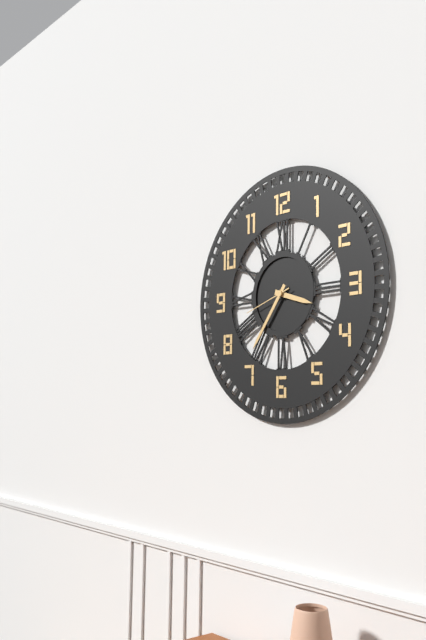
3h36m42s
